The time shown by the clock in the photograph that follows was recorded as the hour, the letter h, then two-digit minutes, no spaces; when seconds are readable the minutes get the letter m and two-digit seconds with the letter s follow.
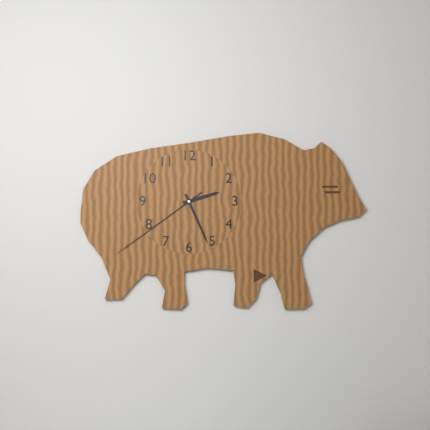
2h26m39s
